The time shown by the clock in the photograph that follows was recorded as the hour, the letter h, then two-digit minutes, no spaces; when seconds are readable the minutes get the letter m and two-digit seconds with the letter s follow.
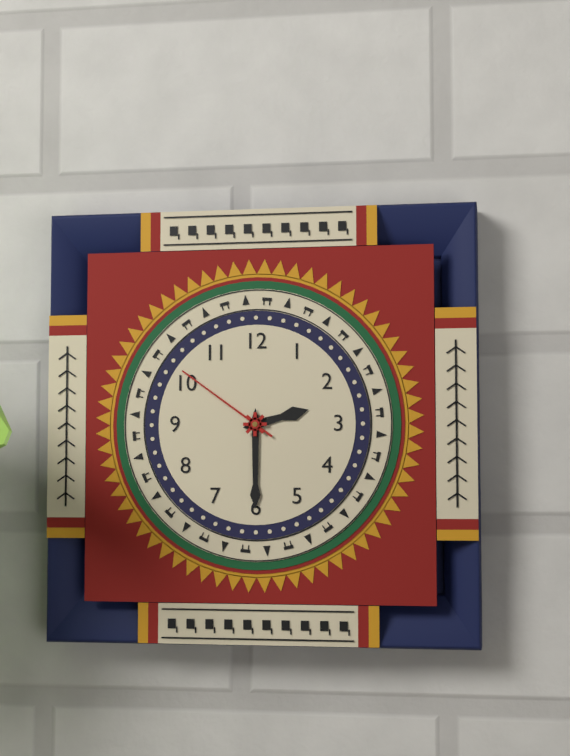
2h30m51s
